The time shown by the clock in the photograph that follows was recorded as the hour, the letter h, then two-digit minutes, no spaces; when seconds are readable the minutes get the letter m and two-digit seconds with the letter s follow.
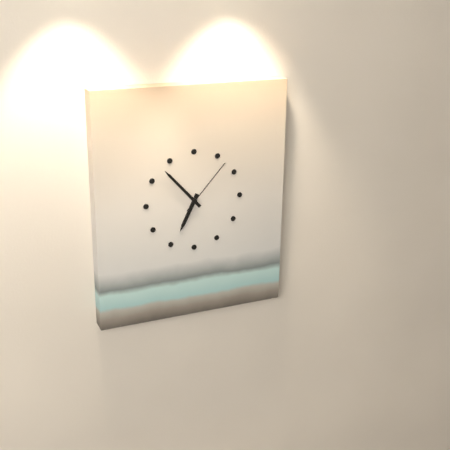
6h53m07s
